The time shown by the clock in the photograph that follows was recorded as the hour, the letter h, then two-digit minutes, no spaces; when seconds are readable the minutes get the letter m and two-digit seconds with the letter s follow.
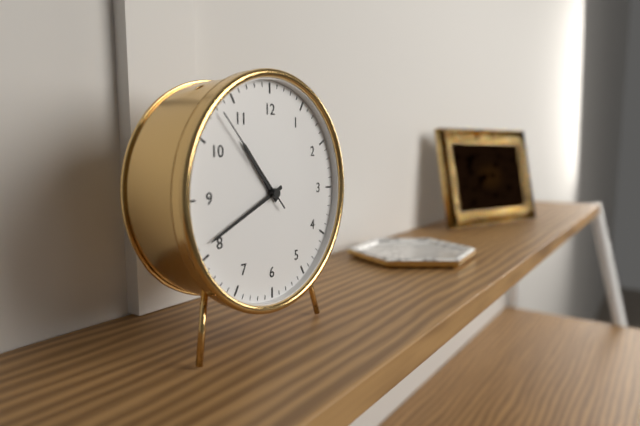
10h41m53s
